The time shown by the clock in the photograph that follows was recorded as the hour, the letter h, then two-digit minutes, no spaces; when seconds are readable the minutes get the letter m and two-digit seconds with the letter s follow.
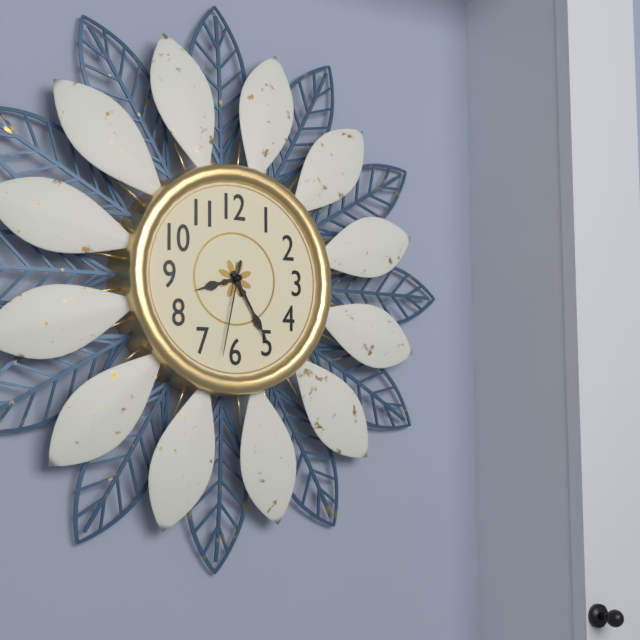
8h25m32s
